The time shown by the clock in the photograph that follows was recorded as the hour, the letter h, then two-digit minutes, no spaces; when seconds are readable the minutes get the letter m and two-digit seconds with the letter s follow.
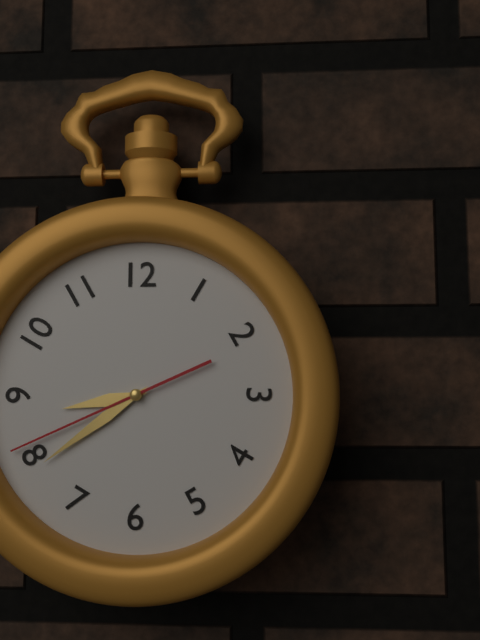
8h39m41s
